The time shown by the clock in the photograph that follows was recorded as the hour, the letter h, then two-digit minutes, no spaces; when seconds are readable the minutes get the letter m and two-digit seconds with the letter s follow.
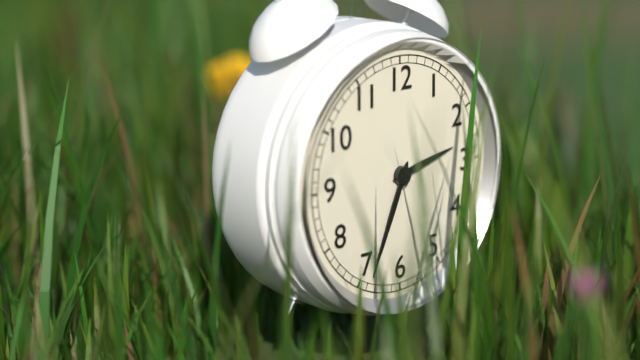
2h34
